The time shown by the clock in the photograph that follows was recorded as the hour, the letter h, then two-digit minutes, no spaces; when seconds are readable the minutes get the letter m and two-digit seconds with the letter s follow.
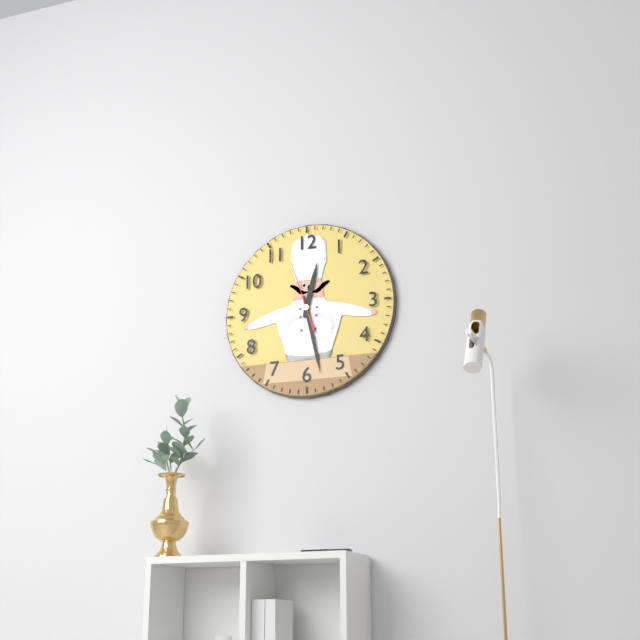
12h28m57s
